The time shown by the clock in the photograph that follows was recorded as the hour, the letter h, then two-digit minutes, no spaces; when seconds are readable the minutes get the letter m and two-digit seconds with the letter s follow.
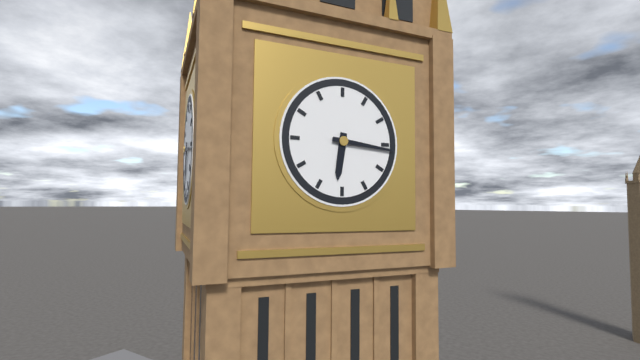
6h16
